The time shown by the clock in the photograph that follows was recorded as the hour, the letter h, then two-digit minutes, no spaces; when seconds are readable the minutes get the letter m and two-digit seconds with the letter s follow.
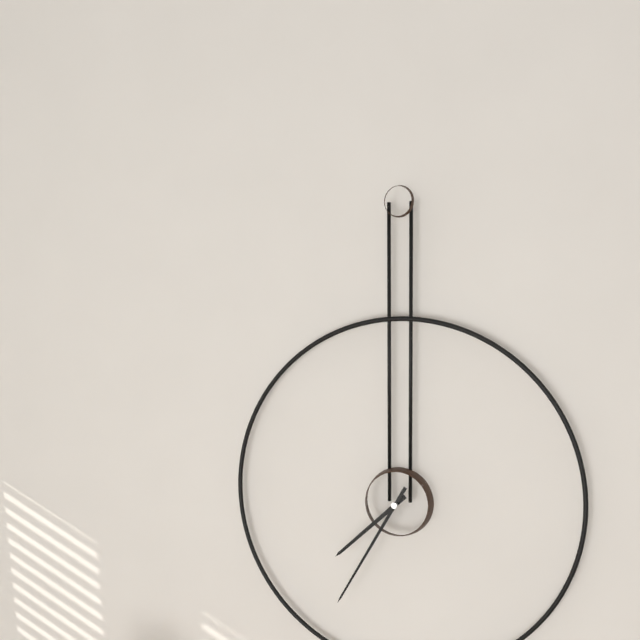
7h35
